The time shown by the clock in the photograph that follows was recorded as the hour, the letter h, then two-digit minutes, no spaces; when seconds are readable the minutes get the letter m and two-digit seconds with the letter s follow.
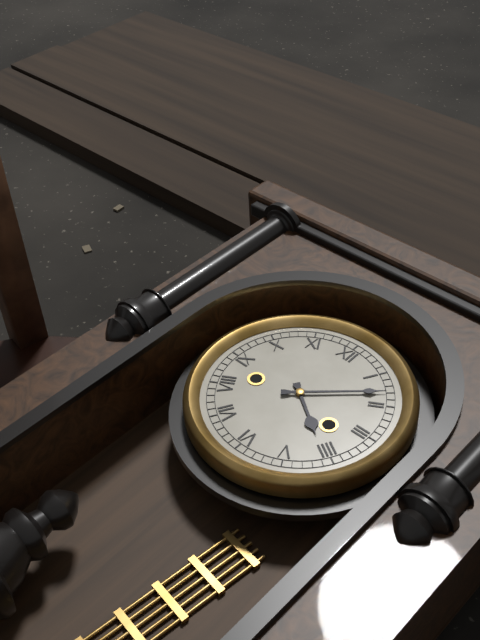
4h08
